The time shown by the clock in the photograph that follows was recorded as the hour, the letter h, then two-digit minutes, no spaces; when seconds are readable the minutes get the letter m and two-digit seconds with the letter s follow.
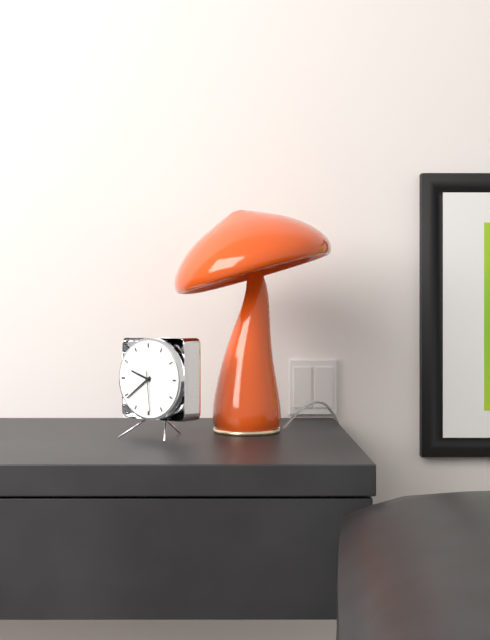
9h39
